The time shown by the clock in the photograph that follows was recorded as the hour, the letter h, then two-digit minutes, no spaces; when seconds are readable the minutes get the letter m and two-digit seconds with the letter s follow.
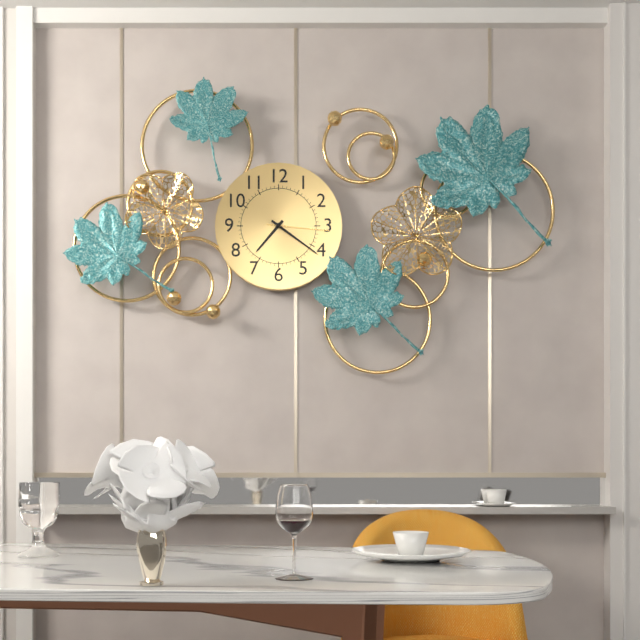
7h21m16s
